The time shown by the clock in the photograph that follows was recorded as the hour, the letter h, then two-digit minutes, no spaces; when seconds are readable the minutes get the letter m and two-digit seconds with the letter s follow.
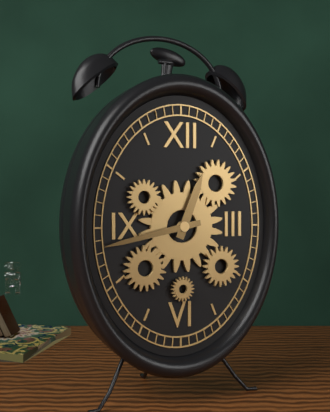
12h43
